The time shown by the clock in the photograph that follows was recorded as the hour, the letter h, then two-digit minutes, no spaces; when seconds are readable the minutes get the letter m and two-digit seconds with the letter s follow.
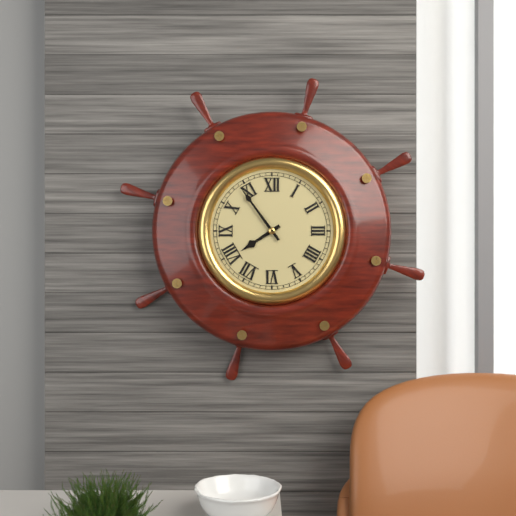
7h54
